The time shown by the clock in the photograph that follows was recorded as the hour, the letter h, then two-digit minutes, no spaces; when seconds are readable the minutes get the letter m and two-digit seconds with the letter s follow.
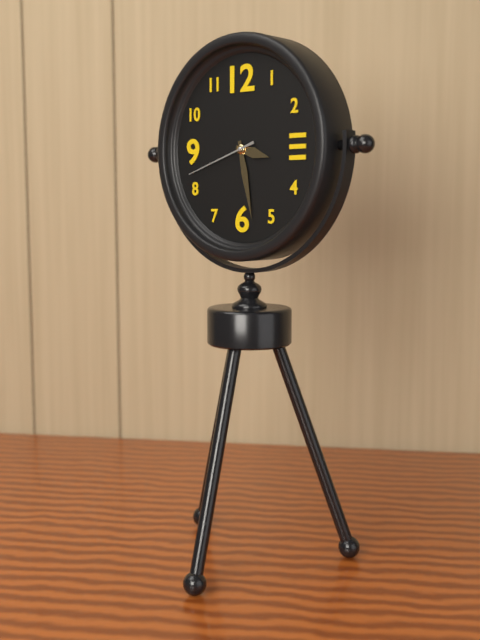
3h28m42s
